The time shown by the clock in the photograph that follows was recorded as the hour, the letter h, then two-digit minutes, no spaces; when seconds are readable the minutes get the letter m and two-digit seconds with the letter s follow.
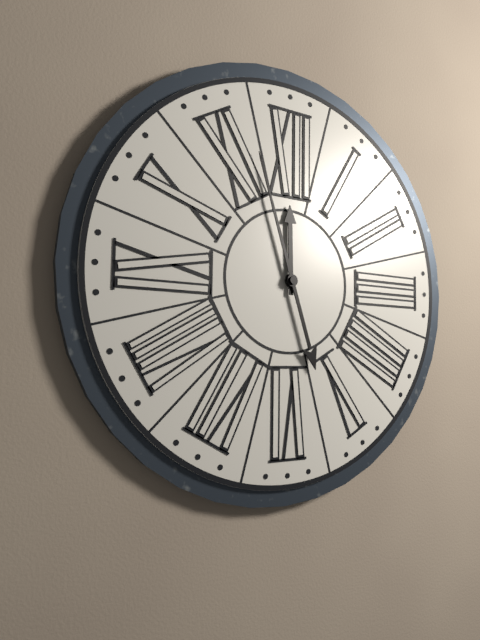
11h57
